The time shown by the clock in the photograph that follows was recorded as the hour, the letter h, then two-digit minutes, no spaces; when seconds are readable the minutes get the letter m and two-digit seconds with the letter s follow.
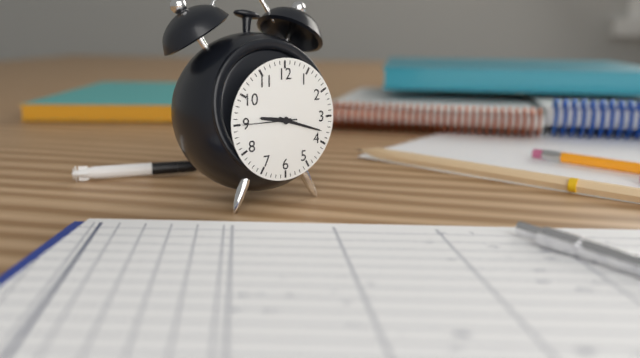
9h18m45s
